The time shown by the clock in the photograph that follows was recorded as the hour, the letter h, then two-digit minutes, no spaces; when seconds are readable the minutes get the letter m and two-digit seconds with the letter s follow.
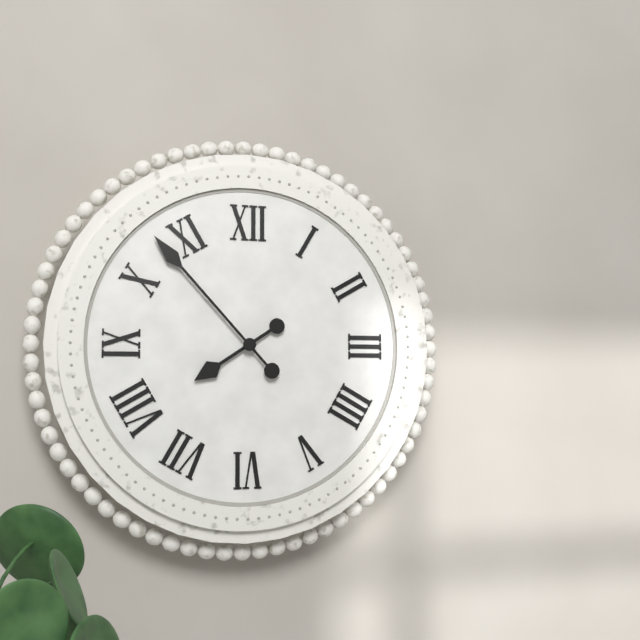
7h53
